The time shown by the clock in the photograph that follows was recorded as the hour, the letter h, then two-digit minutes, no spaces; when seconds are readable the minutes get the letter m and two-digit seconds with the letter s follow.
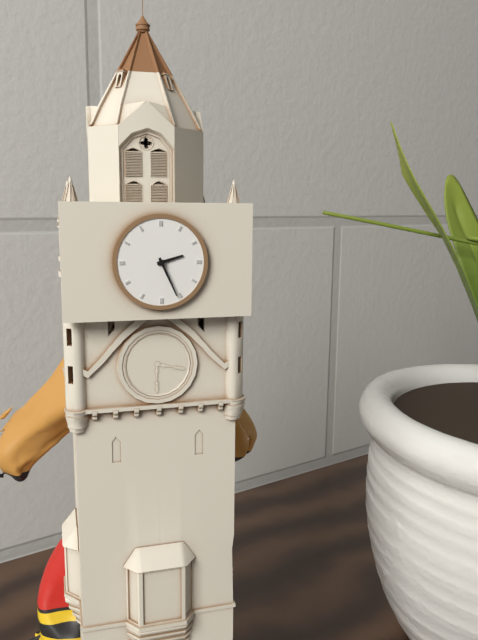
2h26
